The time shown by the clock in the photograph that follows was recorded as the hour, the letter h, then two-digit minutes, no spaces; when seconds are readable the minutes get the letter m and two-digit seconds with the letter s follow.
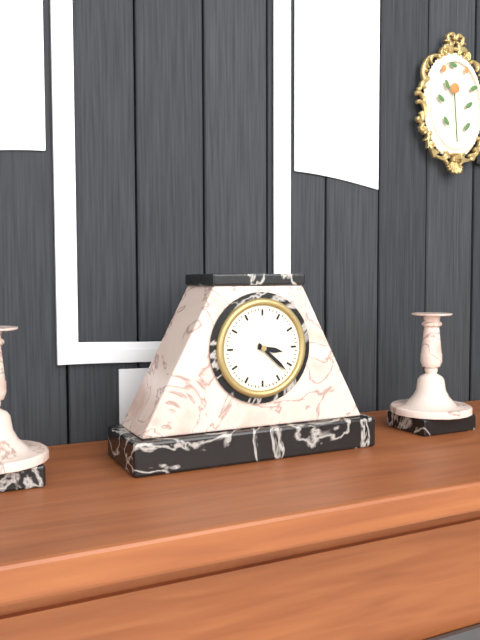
3h22
